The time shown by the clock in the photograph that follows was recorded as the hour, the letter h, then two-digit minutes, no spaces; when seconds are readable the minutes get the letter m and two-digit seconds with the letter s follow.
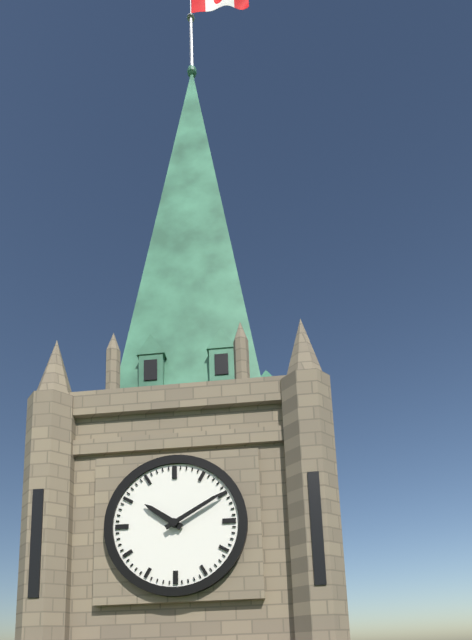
10h10
